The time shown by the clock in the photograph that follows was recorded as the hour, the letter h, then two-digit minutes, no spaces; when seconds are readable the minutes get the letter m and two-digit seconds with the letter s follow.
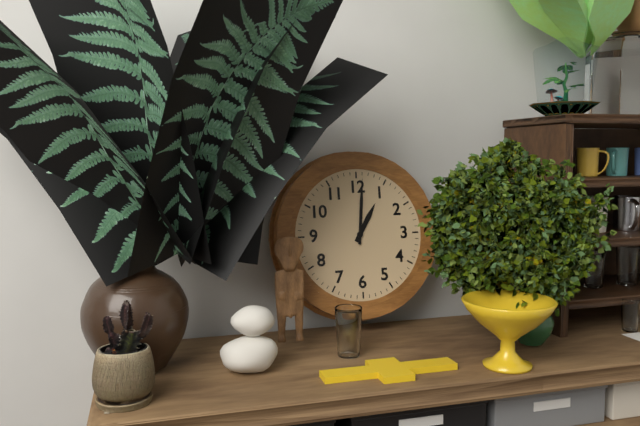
1h01
